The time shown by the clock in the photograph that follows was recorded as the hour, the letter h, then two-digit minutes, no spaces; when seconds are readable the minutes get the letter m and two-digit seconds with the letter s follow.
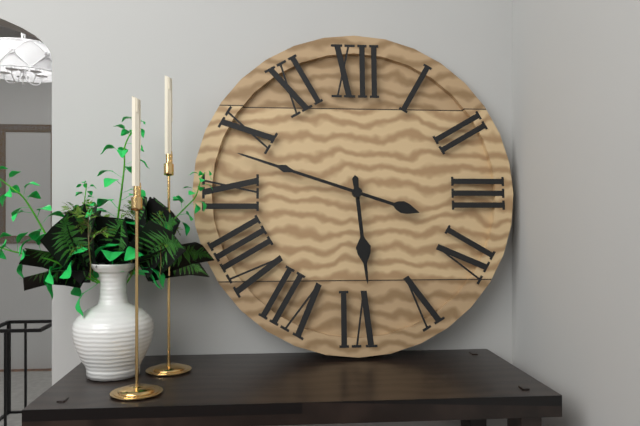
5h48
